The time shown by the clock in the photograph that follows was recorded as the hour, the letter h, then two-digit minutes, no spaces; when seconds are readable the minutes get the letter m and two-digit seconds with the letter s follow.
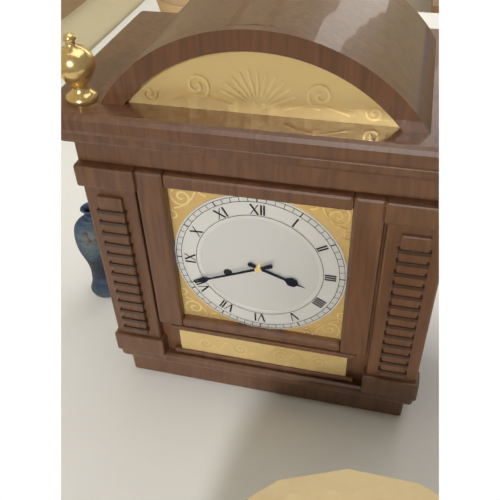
3h41
